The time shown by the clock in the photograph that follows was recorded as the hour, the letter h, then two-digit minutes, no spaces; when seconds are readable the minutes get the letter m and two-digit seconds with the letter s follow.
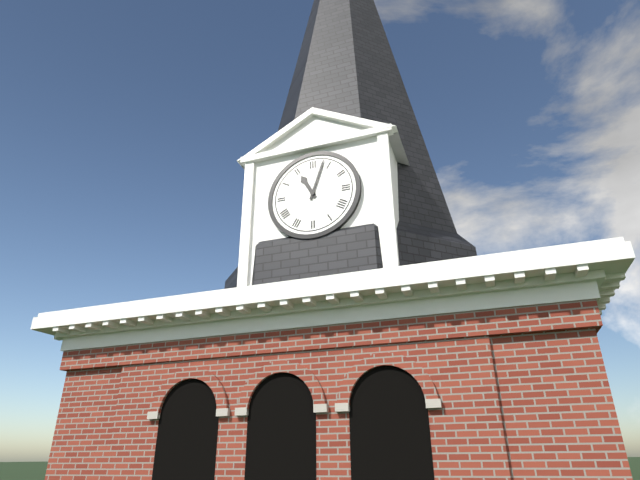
11h03
